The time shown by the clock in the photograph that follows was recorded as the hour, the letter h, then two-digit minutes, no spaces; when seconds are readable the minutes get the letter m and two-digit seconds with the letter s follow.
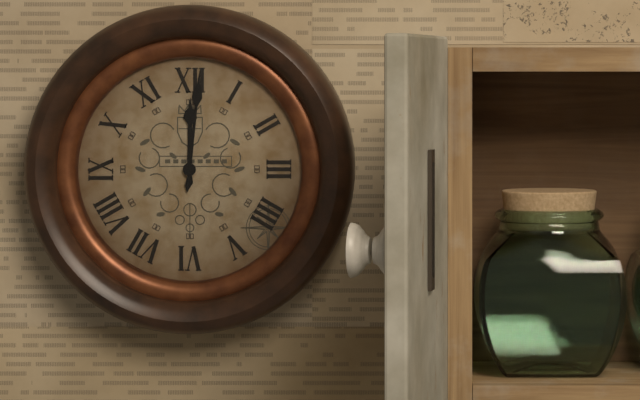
12h01
